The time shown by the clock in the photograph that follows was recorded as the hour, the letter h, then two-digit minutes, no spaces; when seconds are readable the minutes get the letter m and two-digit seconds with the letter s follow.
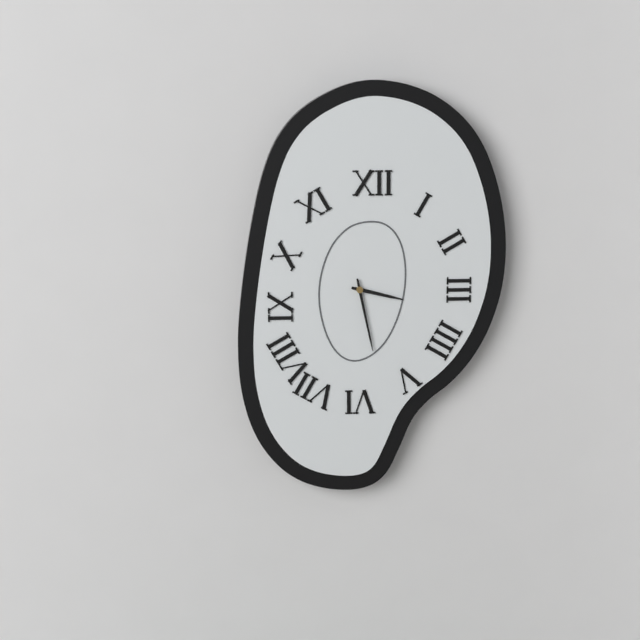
3h28
